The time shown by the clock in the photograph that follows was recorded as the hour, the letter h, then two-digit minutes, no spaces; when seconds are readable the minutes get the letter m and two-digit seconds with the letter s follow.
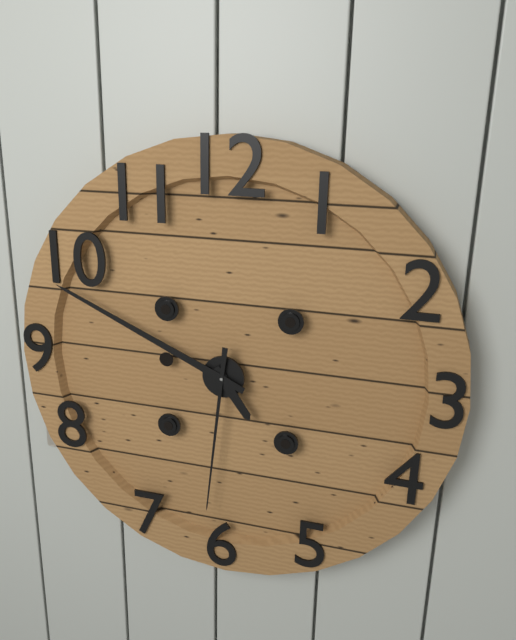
4h49m31s
